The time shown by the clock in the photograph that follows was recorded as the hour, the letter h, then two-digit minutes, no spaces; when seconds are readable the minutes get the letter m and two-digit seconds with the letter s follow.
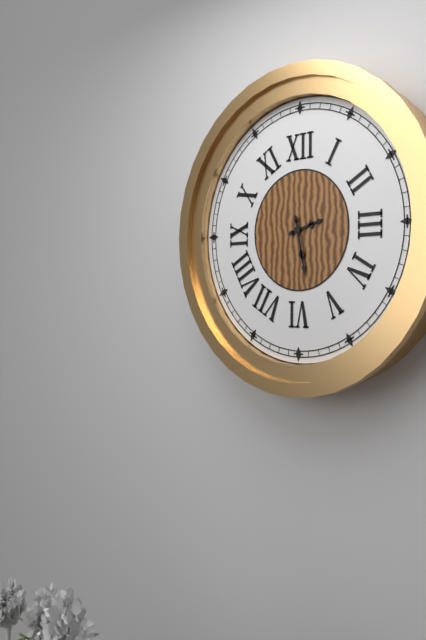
2h28
